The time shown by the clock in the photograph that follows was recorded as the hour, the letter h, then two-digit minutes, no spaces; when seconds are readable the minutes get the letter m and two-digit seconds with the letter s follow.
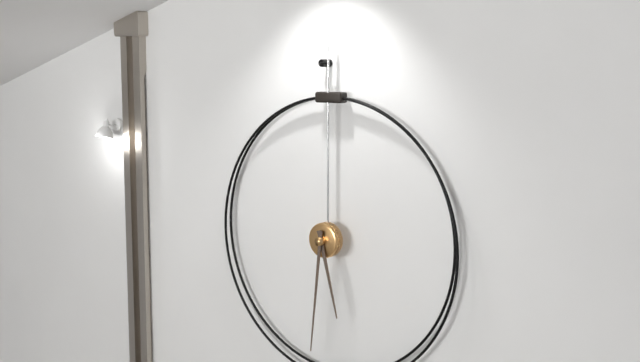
5h31
